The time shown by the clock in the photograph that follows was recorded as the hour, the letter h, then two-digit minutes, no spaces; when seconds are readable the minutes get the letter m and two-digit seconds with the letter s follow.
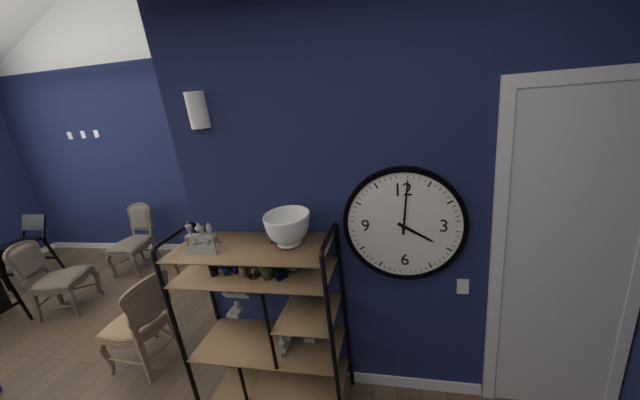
4h01
